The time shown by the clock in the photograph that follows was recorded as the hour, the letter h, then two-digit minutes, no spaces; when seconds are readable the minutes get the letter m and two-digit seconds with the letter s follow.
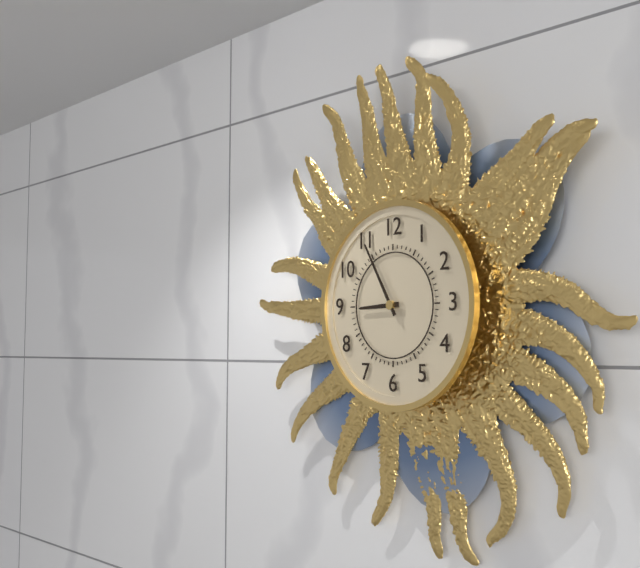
8h55
